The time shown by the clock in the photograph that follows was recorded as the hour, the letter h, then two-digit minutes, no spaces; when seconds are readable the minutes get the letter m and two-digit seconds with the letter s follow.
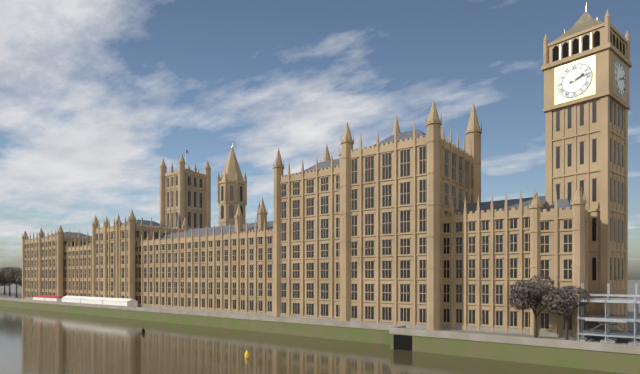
2h13
